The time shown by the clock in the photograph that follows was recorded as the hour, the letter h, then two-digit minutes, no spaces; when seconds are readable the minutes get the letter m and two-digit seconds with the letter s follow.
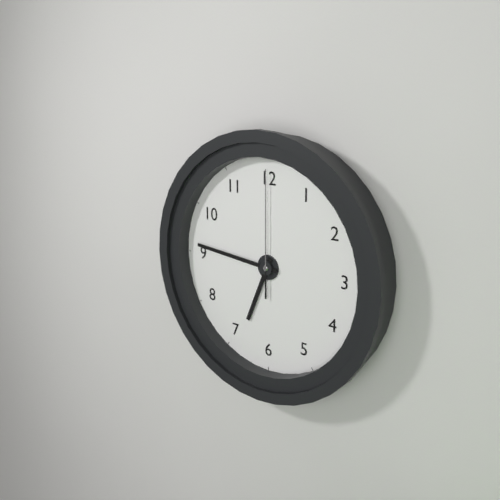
6h46m00s
